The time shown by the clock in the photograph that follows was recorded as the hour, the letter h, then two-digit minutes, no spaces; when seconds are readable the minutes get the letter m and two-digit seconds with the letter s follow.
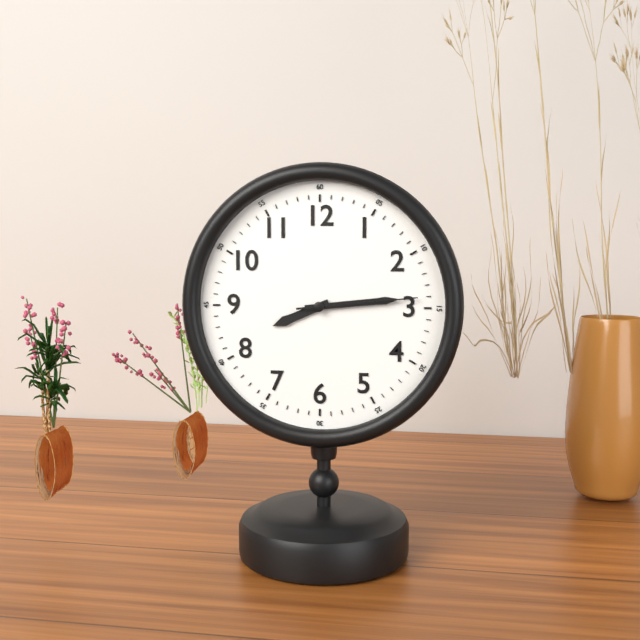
8h14m14s
